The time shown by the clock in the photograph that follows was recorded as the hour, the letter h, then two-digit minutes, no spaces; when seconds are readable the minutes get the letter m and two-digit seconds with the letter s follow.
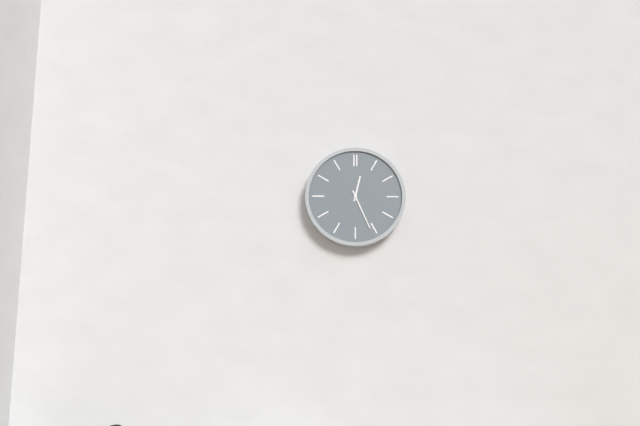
12h26
